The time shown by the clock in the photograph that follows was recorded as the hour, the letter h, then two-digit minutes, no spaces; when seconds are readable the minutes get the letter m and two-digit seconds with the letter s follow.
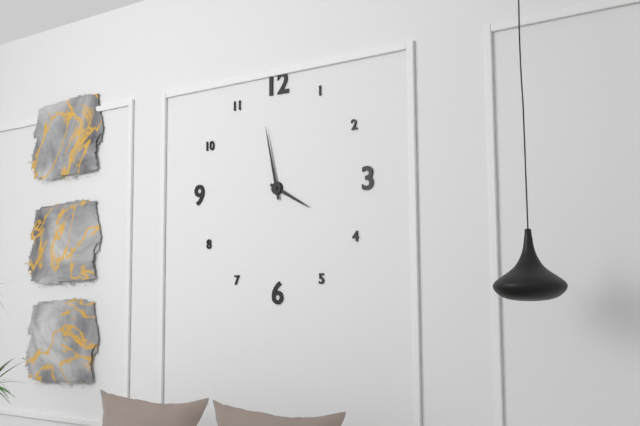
3h58
